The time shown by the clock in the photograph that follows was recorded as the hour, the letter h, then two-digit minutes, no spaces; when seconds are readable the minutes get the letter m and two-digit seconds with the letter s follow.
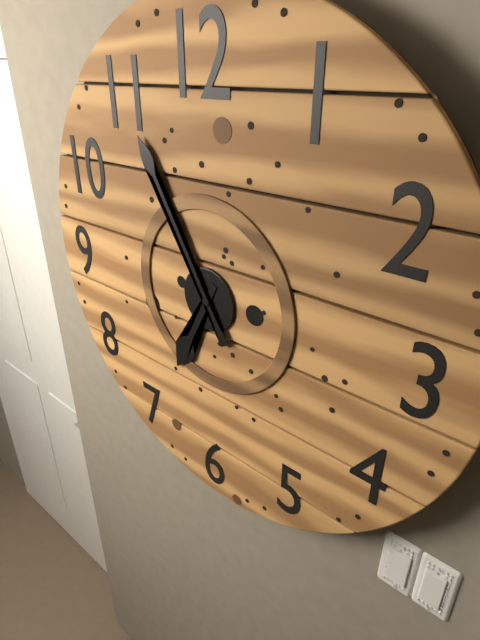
6h55
